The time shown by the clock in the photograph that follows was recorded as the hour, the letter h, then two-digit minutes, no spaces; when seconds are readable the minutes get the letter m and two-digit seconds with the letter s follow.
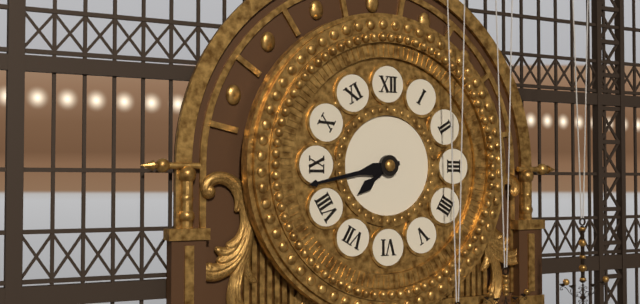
7h43
